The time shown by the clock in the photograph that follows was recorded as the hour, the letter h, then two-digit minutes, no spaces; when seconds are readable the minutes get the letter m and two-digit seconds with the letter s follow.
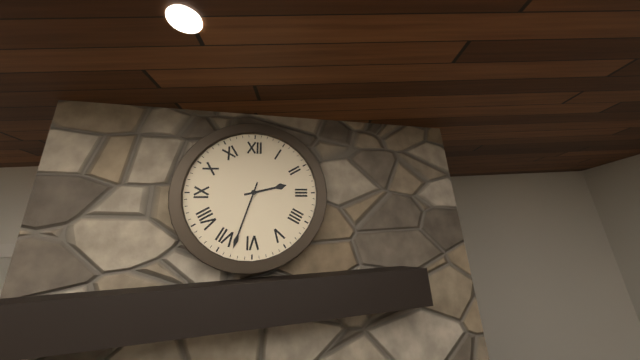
2h33
